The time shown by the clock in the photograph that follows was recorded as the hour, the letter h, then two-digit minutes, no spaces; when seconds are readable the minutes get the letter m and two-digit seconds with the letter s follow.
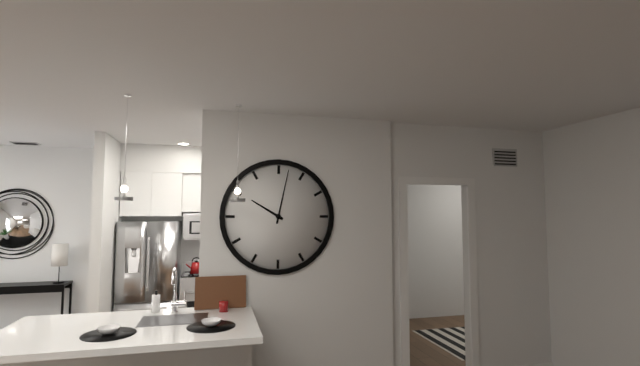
10h02
